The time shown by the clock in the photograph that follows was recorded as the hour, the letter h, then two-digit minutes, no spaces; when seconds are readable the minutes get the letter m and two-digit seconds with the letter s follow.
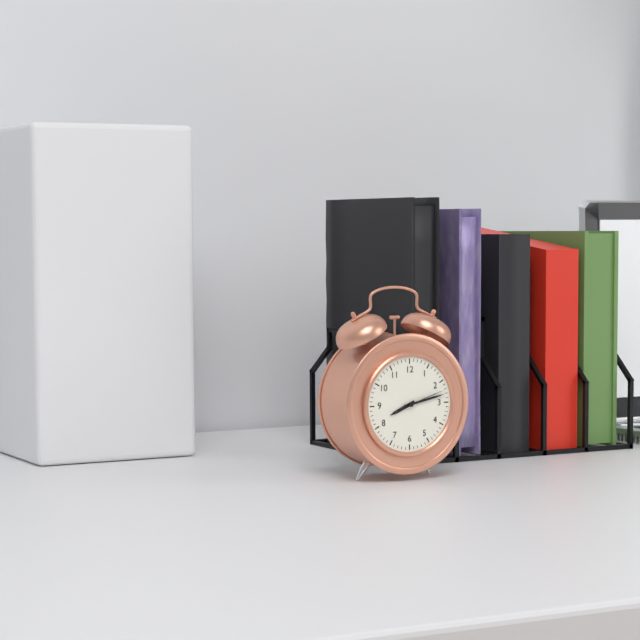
8h13
